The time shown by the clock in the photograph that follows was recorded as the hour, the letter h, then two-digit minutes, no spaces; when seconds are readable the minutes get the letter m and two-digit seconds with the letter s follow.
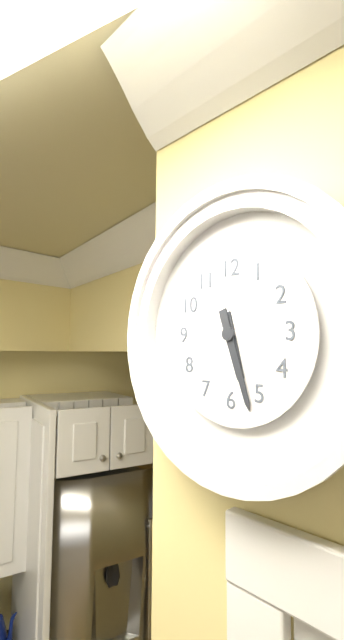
5h27
